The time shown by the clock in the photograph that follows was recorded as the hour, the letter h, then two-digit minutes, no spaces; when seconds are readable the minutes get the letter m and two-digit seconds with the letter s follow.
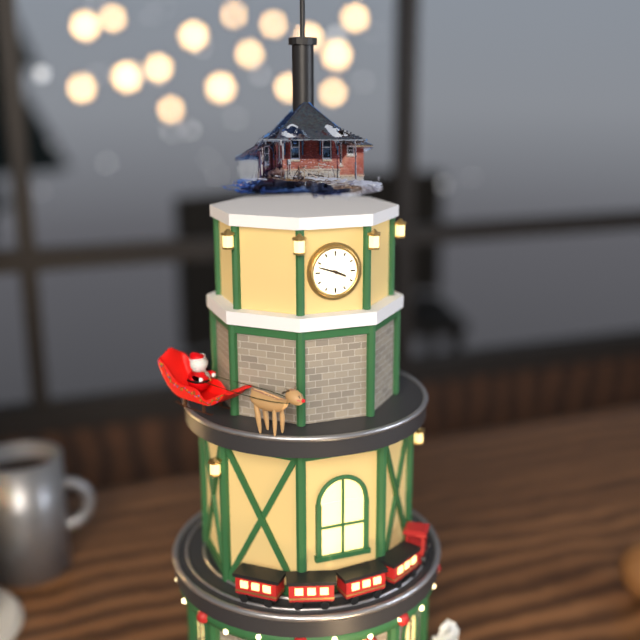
3h48
